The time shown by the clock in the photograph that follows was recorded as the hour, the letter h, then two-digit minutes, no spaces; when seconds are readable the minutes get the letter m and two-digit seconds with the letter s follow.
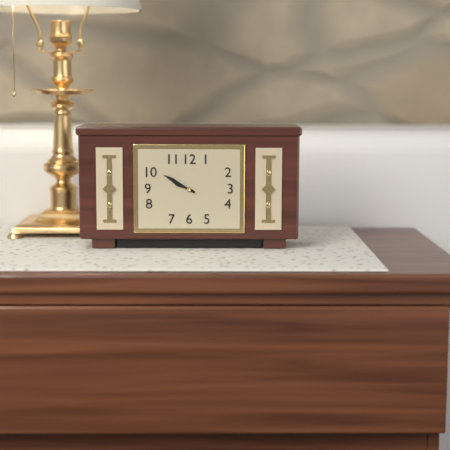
9h50
